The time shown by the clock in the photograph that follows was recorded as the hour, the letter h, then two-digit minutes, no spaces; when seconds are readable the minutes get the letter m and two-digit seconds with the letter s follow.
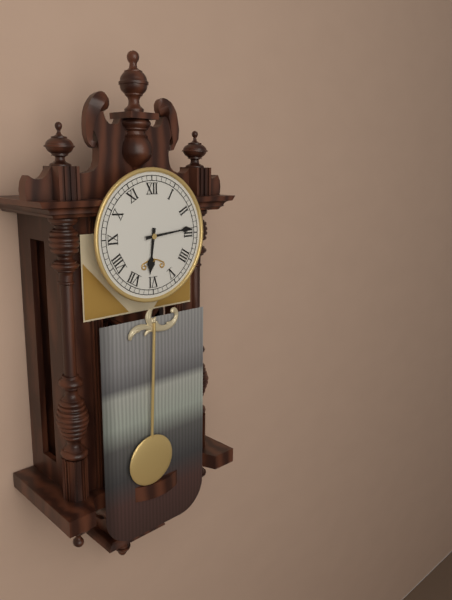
6h14
